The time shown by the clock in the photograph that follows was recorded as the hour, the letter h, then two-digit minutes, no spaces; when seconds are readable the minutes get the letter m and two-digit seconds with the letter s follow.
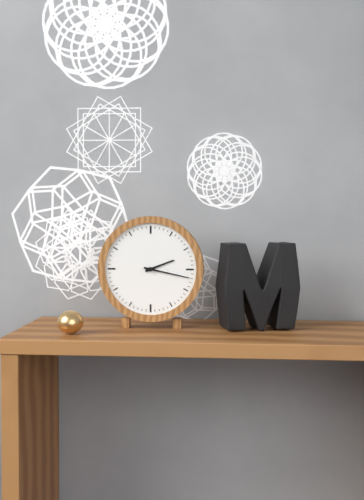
2h17
